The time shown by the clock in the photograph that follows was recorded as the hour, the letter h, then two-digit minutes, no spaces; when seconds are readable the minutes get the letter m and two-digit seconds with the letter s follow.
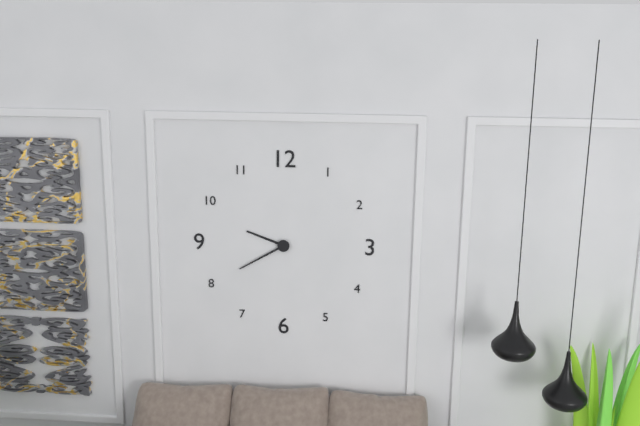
9h40
